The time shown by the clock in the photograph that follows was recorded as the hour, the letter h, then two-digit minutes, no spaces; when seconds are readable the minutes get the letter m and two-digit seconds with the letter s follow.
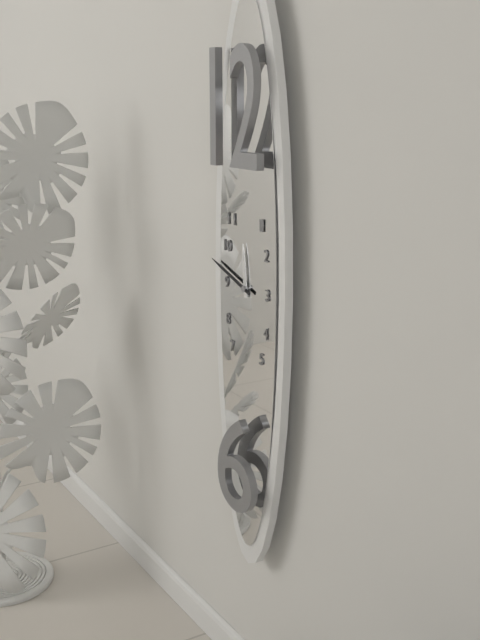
11h48
